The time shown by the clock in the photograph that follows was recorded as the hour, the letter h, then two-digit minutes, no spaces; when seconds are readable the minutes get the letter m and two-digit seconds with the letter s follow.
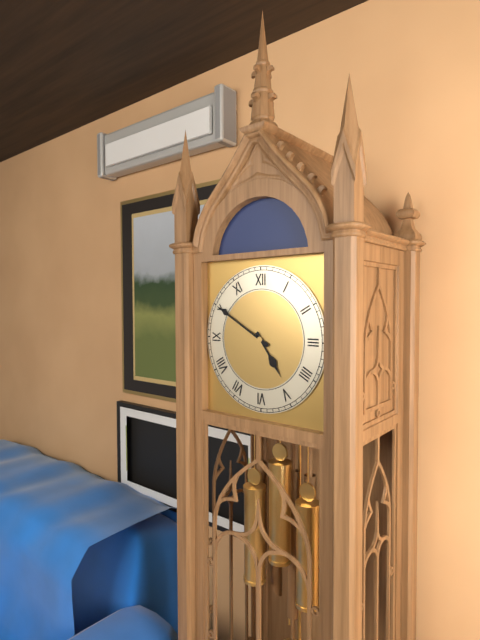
4h50
